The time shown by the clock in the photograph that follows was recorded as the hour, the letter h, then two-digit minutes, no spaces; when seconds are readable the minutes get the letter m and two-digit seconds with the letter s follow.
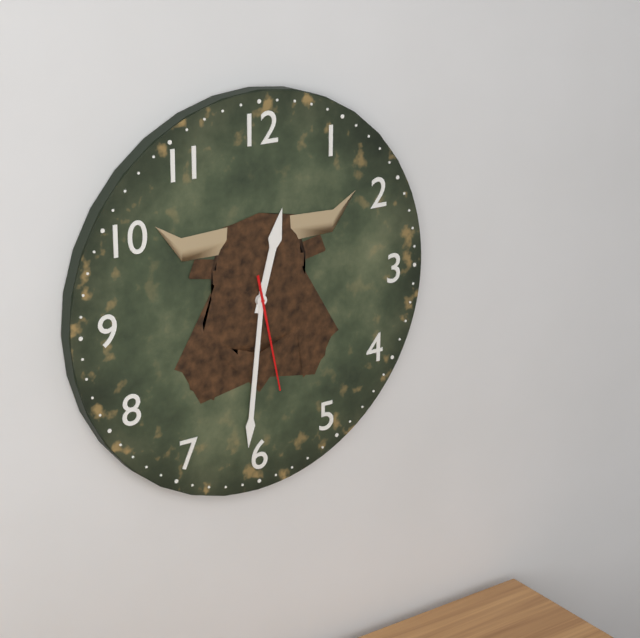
12h31m28s
